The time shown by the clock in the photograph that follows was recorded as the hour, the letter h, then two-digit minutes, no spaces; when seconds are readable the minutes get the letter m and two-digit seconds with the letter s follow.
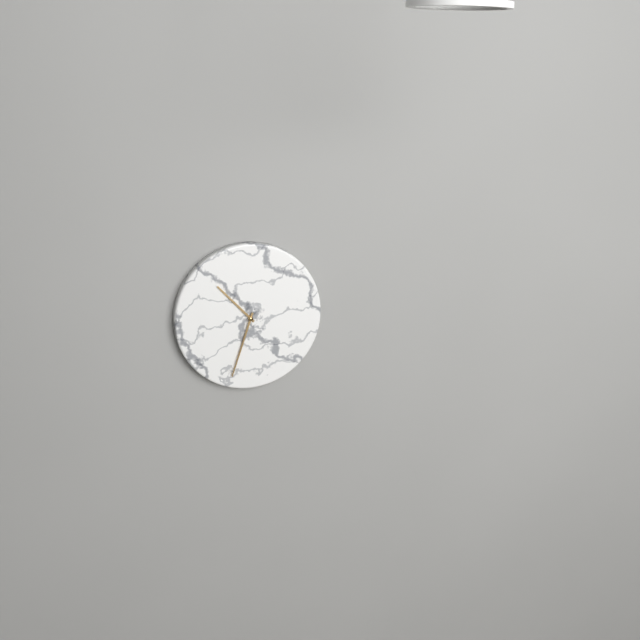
10h33
